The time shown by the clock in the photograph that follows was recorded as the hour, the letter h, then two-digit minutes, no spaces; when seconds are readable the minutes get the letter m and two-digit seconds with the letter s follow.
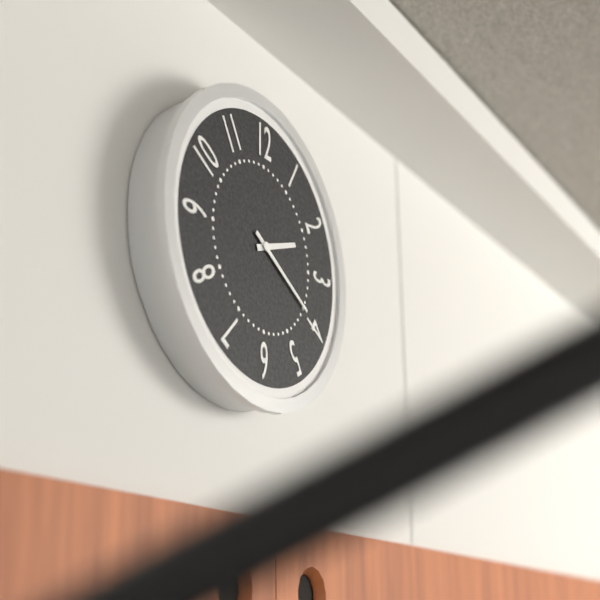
2h20
